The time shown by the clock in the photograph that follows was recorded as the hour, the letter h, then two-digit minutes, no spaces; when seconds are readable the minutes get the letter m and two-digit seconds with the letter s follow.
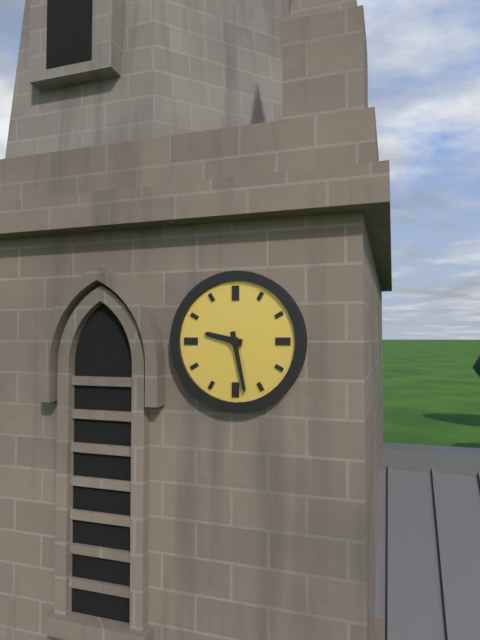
9h28
